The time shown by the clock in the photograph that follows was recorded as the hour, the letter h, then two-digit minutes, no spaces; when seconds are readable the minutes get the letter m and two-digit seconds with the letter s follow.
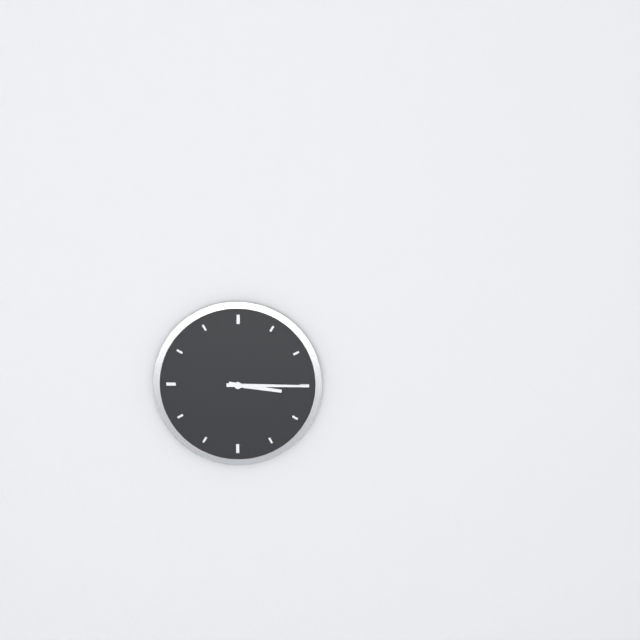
3h15
